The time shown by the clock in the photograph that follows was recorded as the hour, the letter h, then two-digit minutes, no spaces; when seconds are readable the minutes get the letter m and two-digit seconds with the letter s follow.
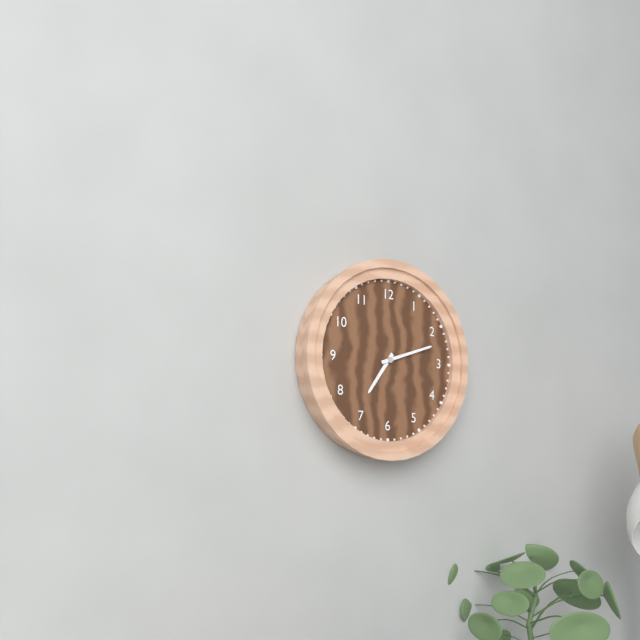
7h12
